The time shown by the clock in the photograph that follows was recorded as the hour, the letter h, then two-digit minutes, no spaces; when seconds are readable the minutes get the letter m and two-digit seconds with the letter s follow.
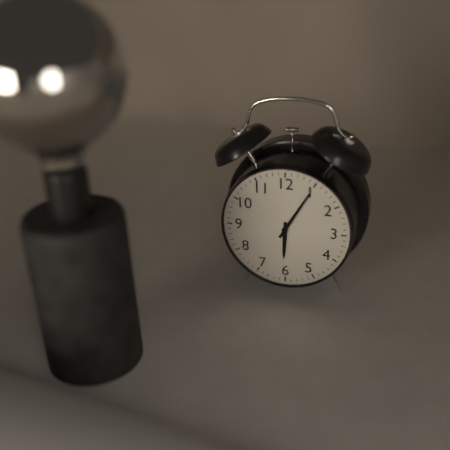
6h05
